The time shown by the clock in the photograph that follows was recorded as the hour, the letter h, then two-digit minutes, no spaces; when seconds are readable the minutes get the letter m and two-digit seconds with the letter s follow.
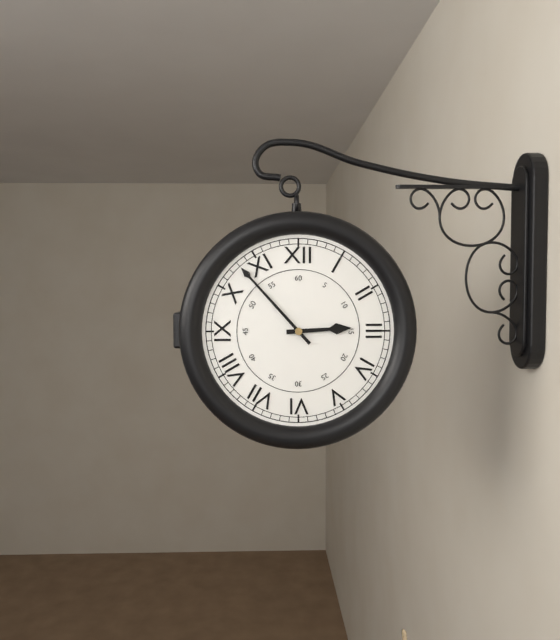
2h53
